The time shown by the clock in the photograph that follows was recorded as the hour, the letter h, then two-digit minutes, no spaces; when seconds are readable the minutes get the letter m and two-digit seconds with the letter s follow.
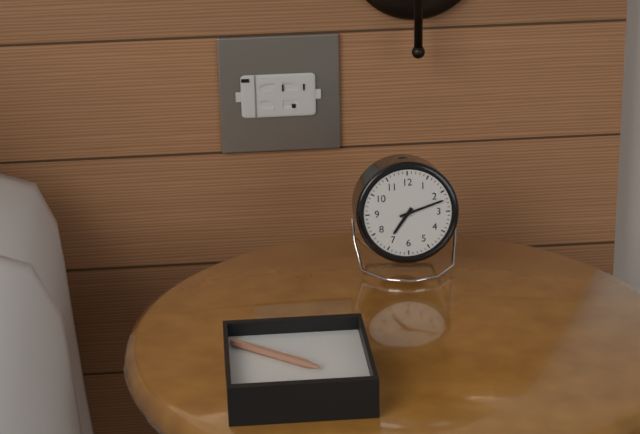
7h12
